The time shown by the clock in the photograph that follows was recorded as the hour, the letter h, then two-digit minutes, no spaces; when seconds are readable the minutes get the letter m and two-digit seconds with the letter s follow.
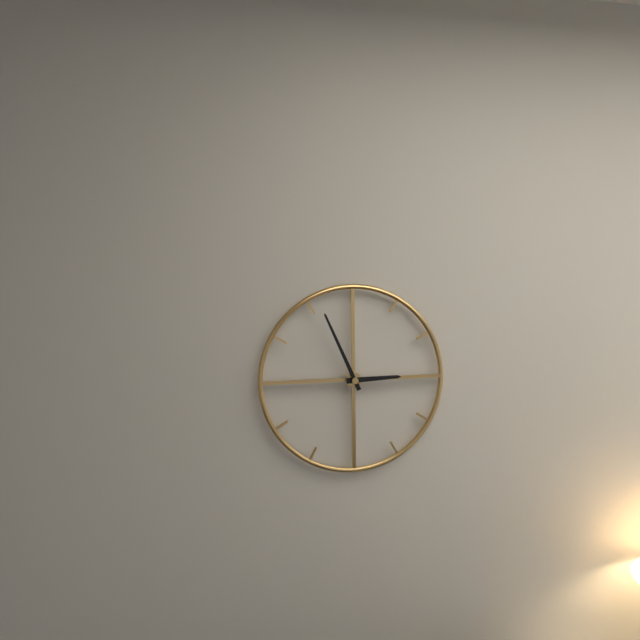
2h56
